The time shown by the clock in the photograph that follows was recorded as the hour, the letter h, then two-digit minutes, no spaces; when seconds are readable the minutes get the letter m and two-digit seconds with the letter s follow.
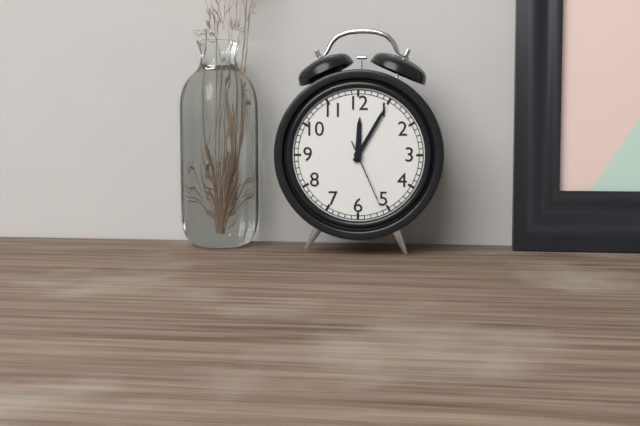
12h05m26s
